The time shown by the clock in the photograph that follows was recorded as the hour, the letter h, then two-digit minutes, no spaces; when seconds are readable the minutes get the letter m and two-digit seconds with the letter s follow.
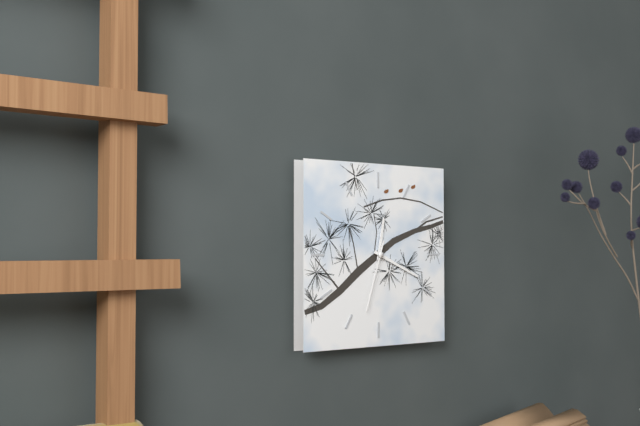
12h19m33s
